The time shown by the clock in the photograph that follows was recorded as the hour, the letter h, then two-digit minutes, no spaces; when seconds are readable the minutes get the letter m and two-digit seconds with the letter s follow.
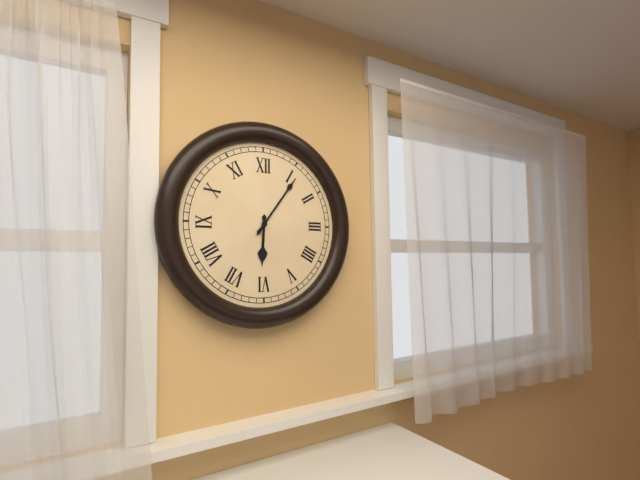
6h06
